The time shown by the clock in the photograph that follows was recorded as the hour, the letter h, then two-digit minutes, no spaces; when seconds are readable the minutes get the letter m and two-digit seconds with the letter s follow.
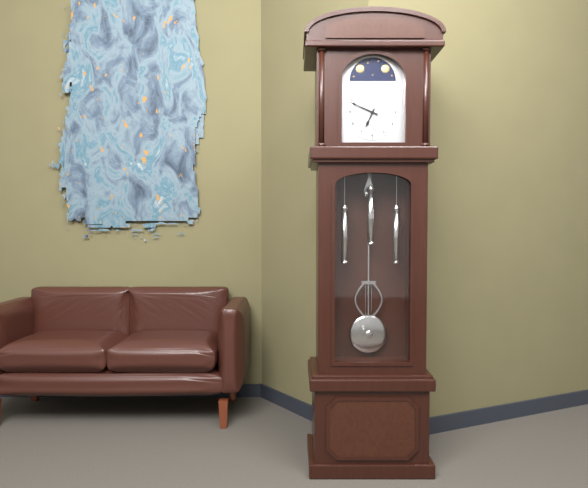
6h49
